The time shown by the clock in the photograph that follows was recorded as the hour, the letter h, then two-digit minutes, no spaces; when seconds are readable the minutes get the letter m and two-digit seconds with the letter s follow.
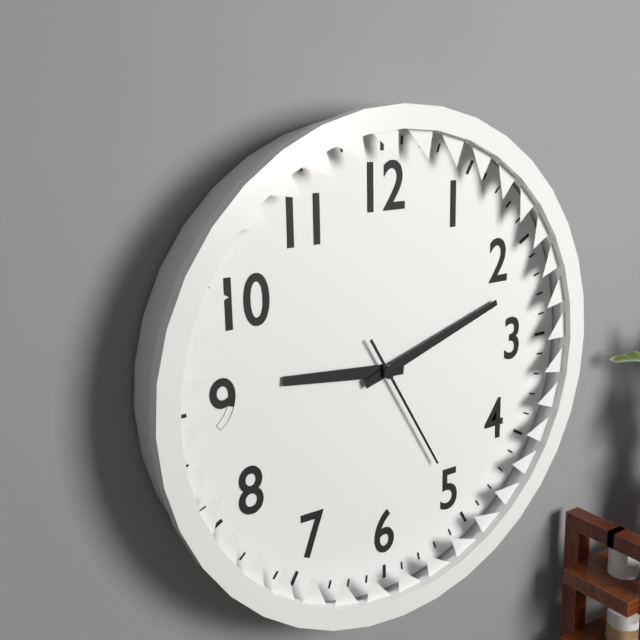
9h12m25s
